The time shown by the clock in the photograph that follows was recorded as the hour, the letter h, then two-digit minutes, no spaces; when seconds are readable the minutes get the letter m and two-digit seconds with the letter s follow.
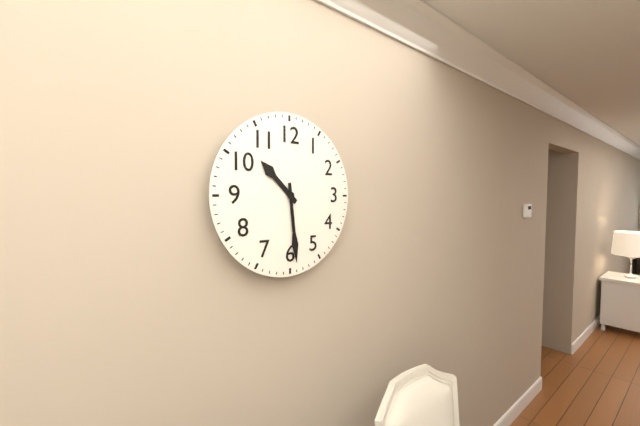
10h29
